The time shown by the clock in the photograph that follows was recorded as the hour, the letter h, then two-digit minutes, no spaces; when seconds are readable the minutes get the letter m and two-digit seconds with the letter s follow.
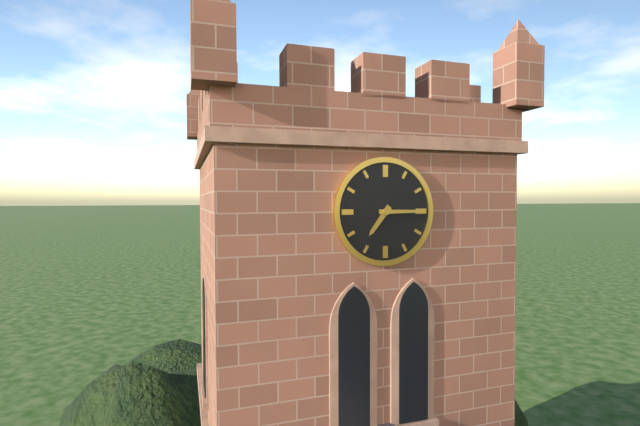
7h15
